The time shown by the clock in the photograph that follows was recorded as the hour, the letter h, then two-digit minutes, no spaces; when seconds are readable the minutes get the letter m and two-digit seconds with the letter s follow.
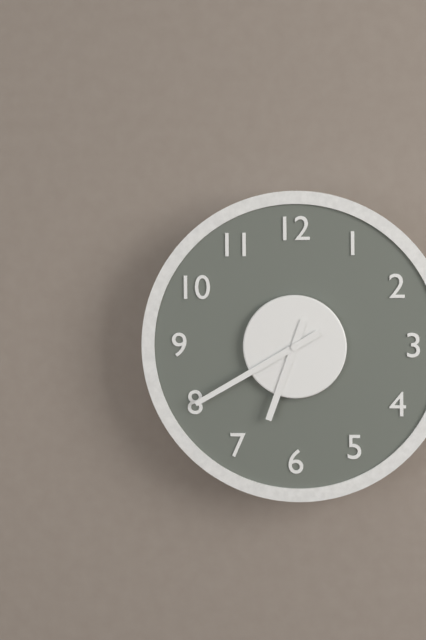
6h40
